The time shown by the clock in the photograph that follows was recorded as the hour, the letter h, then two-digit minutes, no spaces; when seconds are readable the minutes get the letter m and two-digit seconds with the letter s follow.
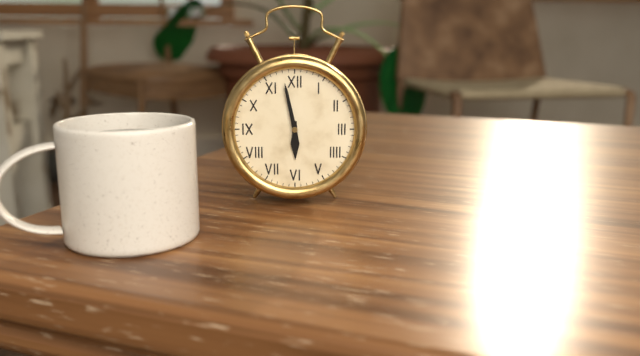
5h58
